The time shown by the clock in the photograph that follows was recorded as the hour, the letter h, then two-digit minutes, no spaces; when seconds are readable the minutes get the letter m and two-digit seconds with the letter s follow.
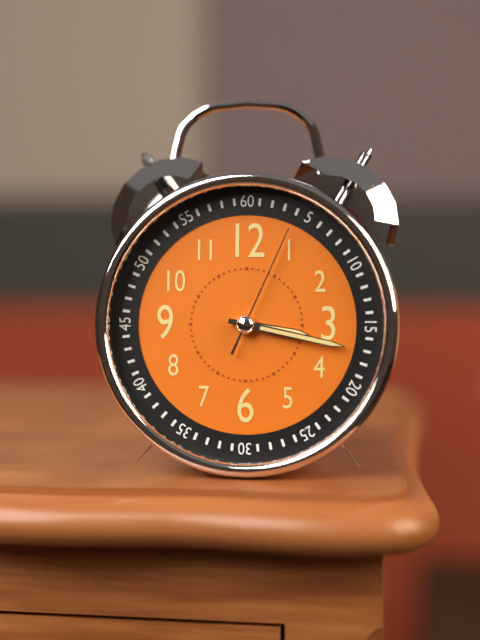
3h17m04s
